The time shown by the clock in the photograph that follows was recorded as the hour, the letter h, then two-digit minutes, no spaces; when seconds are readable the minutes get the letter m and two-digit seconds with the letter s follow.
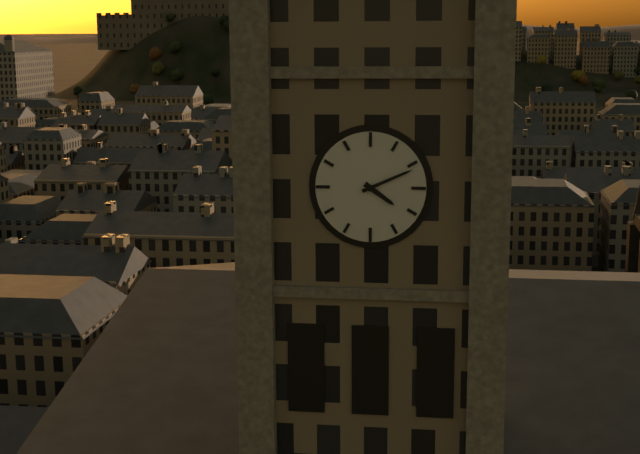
4h11
